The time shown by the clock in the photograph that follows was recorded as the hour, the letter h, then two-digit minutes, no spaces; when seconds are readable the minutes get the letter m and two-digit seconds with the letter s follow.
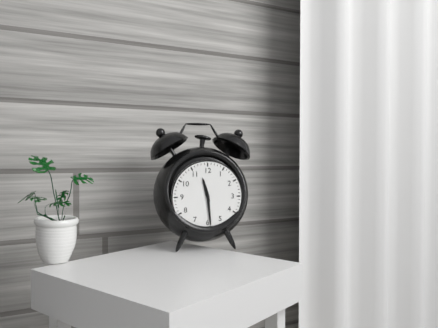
11h29
